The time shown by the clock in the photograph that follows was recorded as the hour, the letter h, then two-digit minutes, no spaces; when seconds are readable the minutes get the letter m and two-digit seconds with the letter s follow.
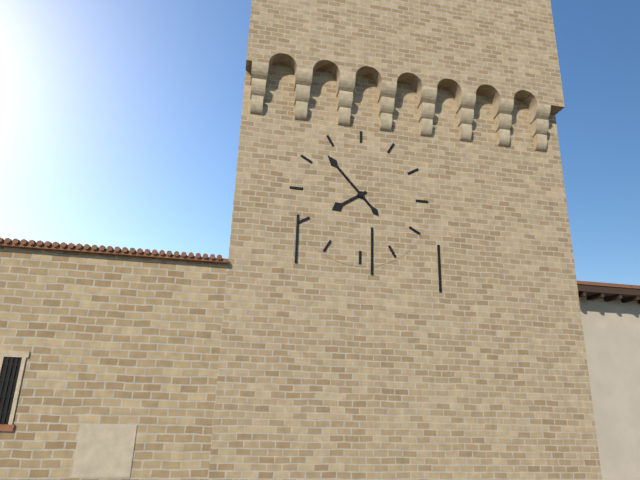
7h53
